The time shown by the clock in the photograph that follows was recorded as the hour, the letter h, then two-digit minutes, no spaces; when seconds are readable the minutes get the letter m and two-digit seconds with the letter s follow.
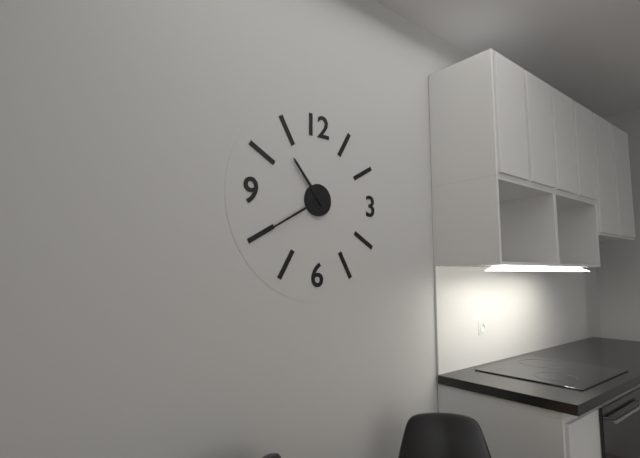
10h40
